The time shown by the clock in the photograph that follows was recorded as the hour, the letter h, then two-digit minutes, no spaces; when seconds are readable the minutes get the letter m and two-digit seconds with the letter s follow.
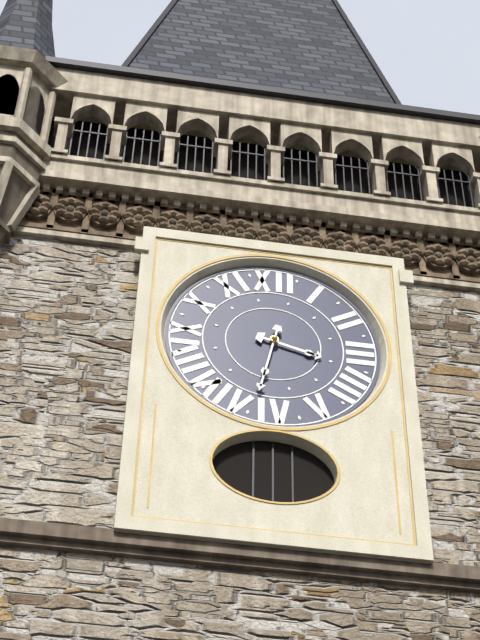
3h32
